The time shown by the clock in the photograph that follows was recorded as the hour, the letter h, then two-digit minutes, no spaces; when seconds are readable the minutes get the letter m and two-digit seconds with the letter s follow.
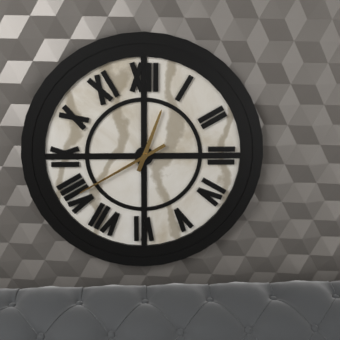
12h40
